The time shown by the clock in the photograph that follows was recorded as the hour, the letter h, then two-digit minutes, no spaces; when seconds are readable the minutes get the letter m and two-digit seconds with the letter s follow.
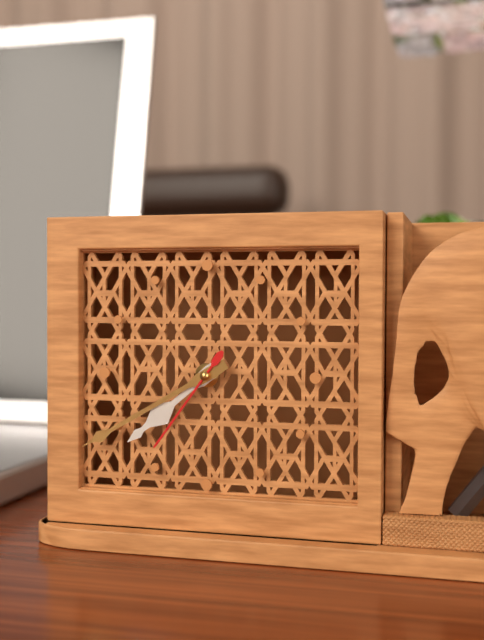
7h40m36s
